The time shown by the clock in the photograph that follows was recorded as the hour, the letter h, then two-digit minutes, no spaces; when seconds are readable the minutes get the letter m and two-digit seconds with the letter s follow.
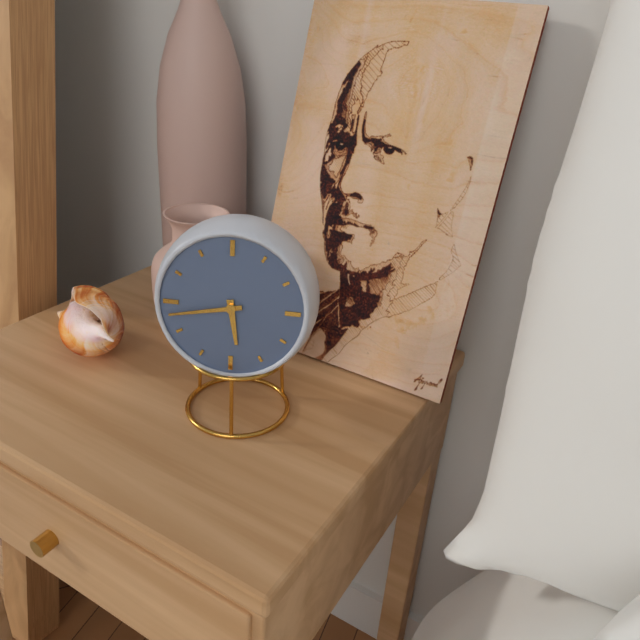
5h43
